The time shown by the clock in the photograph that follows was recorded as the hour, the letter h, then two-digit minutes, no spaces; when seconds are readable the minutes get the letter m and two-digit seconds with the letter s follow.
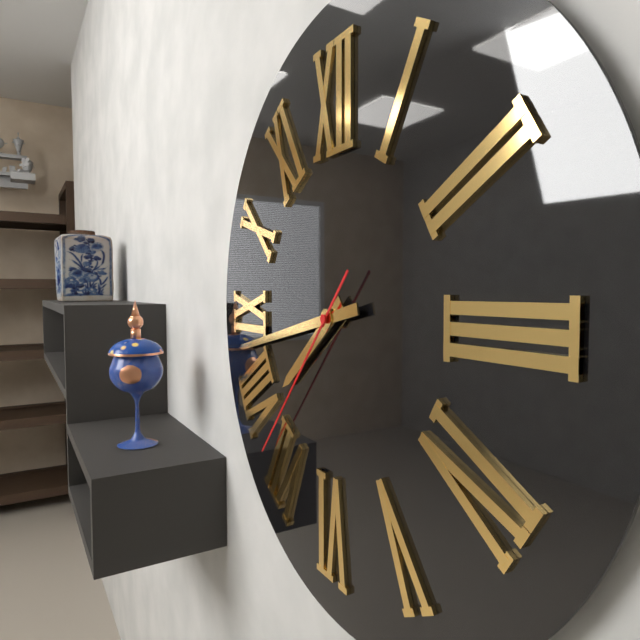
7h43m37s
